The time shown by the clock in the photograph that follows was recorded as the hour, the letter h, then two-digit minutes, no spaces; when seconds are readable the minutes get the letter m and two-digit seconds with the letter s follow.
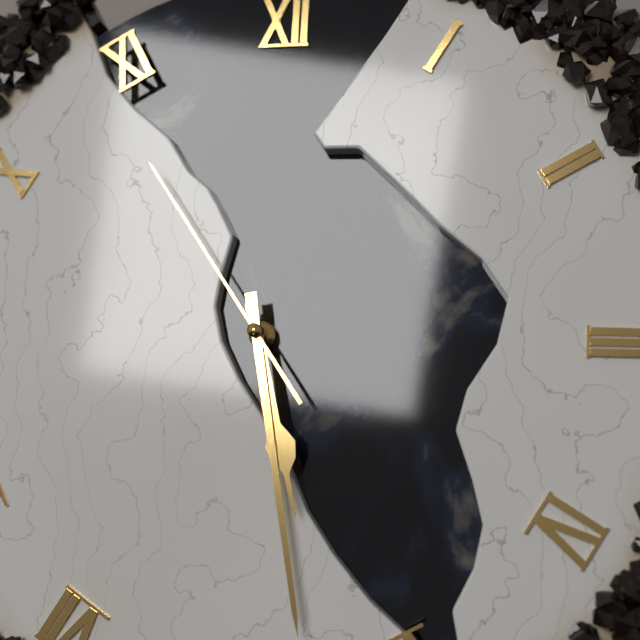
5h28m54s
